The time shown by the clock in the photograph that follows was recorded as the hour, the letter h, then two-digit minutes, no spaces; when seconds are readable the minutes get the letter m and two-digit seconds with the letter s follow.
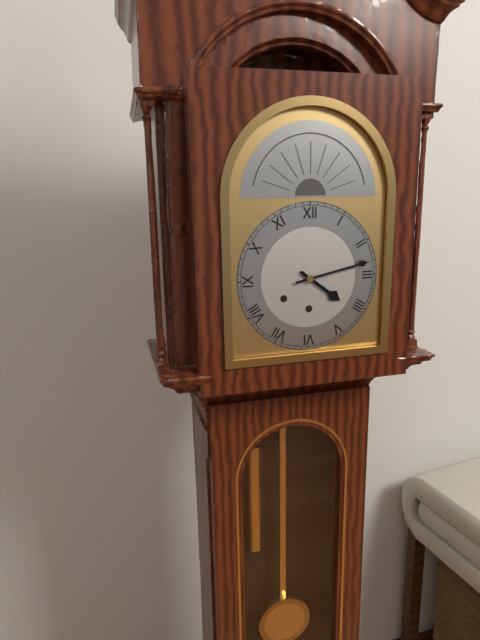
4h13
